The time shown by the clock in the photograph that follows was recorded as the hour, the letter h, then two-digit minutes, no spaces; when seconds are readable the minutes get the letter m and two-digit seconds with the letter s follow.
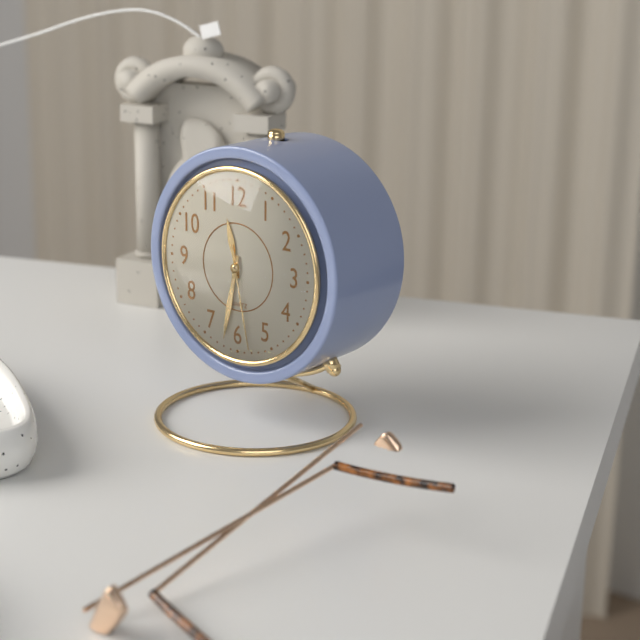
11h32m28s
